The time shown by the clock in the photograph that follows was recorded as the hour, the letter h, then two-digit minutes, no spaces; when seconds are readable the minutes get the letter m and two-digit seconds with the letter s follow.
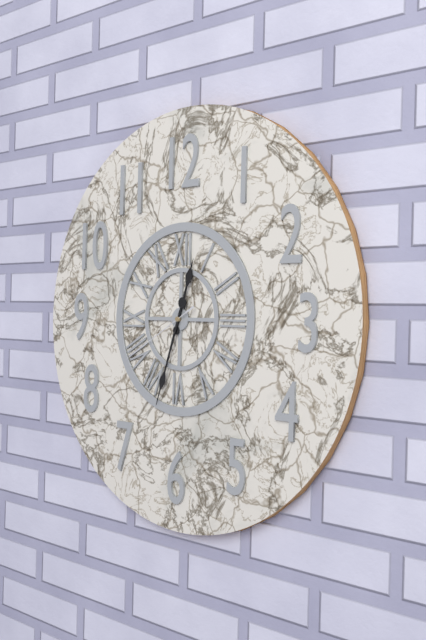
12h33m40s
